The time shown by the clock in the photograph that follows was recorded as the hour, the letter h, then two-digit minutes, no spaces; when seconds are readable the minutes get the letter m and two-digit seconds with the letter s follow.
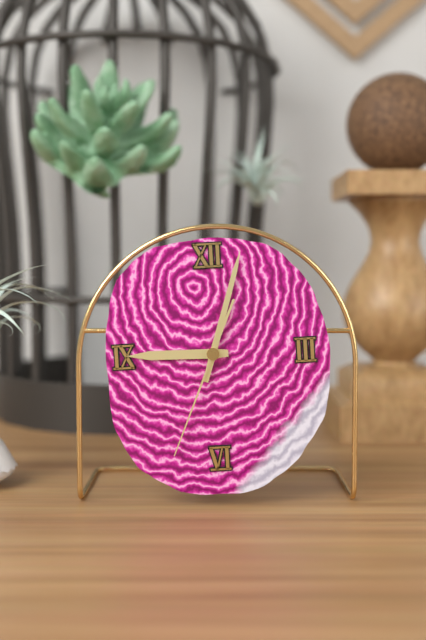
9h03m34s
